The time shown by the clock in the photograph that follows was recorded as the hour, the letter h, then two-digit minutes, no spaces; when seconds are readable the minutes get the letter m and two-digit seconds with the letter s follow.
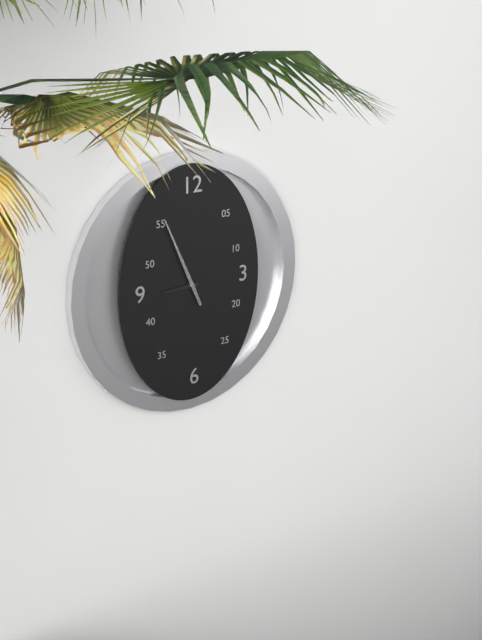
8h56
